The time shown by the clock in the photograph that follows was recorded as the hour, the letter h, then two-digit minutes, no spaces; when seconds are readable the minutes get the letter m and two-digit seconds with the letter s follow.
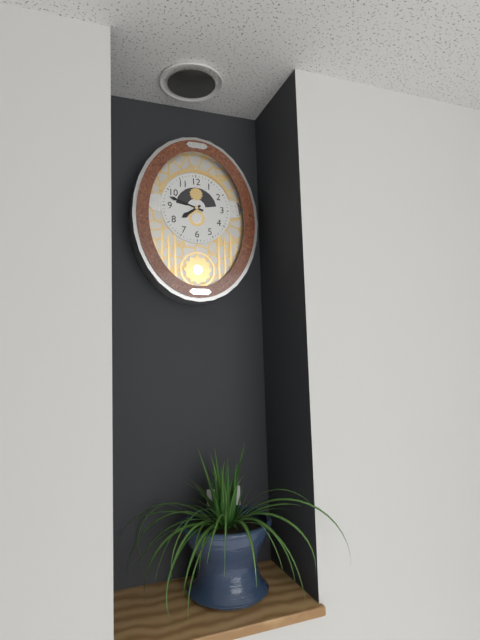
7h48
